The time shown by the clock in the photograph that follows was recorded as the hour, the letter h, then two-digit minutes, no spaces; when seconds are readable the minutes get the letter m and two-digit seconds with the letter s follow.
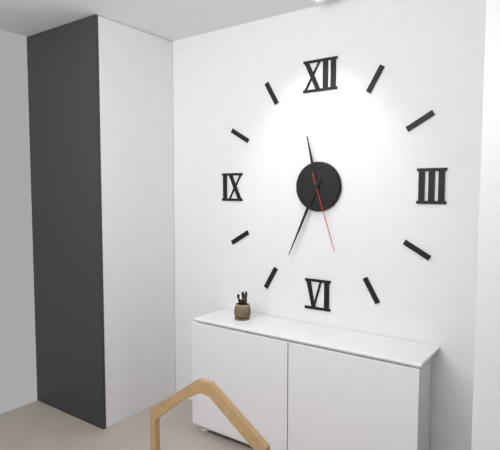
11h34m27s
